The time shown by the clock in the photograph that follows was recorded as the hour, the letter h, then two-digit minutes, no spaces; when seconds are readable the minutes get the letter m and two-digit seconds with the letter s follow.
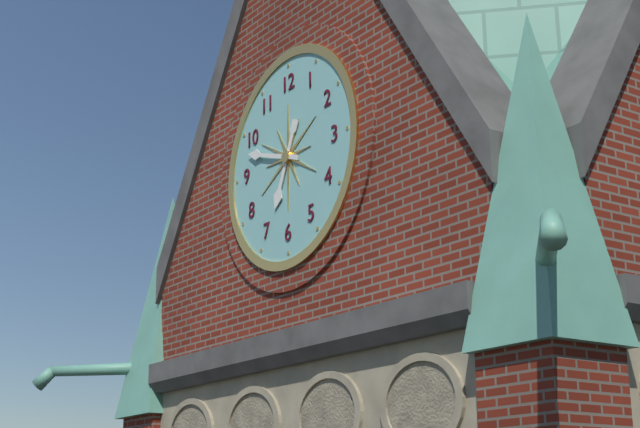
6h48
